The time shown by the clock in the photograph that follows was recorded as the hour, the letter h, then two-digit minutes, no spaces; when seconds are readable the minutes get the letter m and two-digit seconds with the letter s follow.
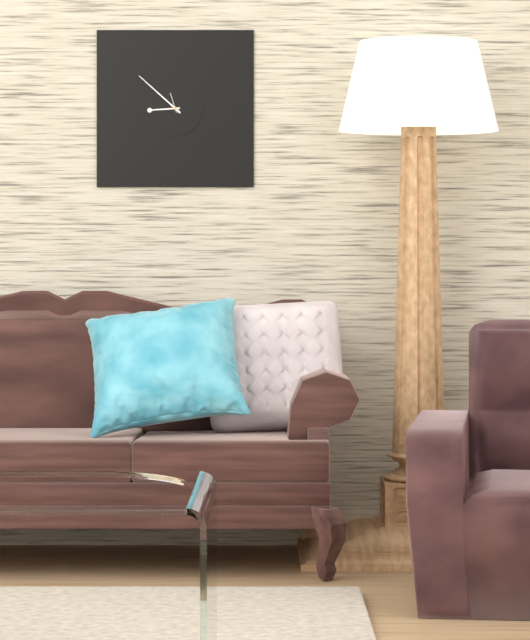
8h52
